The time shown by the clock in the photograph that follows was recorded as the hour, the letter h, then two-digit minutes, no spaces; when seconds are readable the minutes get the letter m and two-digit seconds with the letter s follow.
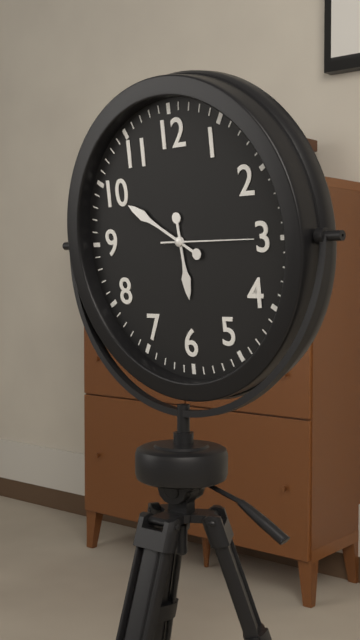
5h50m15s
